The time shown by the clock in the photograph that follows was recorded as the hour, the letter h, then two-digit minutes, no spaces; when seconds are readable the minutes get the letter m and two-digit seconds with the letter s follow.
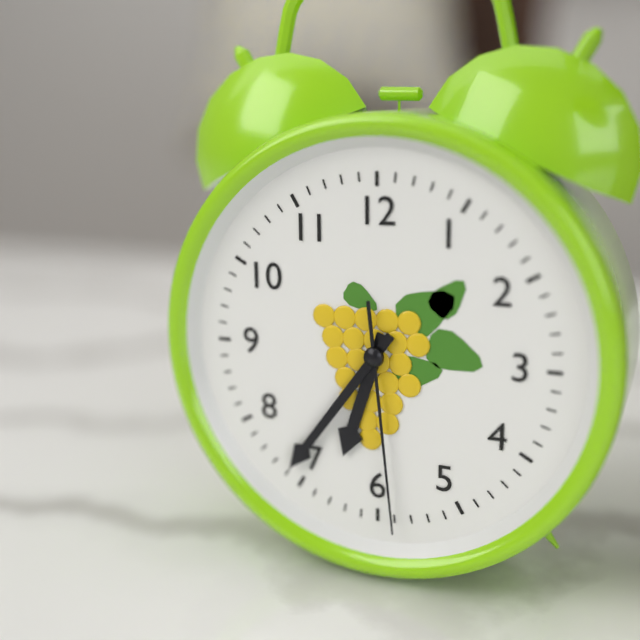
6h36m29s
